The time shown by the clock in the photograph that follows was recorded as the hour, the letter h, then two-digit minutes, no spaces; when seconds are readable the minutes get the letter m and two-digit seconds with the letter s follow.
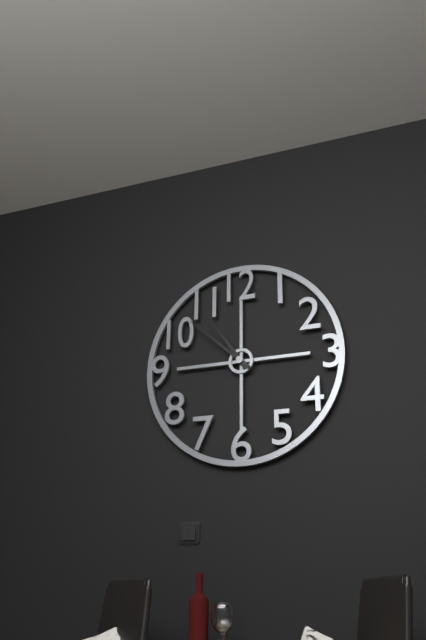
10h52
